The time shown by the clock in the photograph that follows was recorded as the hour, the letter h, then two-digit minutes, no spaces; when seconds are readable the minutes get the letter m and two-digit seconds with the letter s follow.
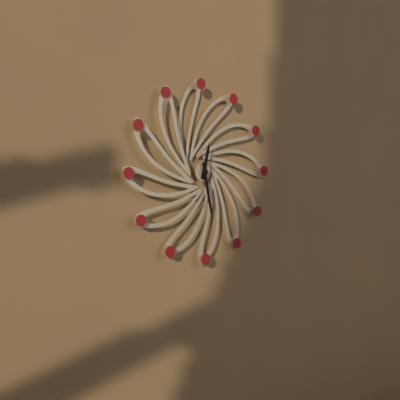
12h28
